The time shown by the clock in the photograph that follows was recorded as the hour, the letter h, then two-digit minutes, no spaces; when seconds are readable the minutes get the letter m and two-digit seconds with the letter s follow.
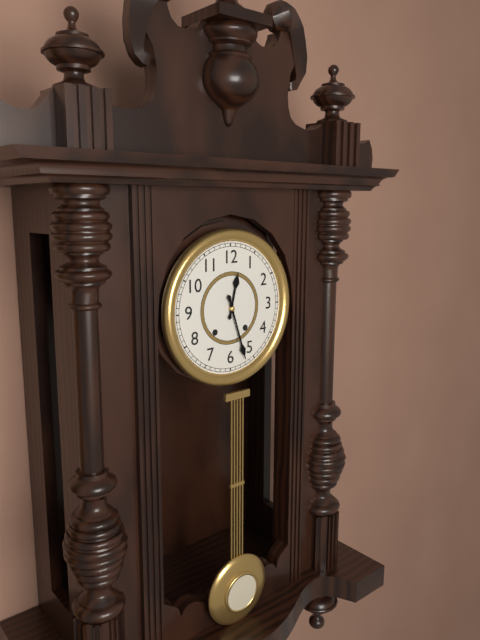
12h27
